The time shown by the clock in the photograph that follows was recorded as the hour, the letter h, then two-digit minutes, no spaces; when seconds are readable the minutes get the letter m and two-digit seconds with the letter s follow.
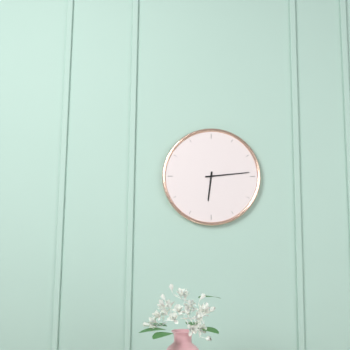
6h14
